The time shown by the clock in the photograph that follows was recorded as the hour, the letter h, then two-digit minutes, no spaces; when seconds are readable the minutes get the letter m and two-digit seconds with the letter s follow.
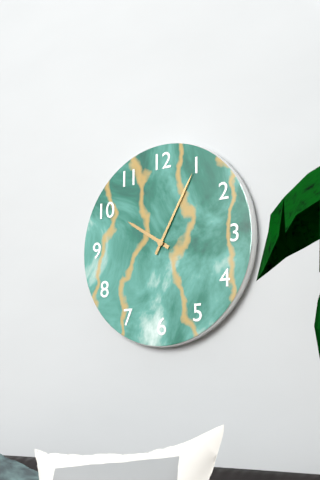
10h05
